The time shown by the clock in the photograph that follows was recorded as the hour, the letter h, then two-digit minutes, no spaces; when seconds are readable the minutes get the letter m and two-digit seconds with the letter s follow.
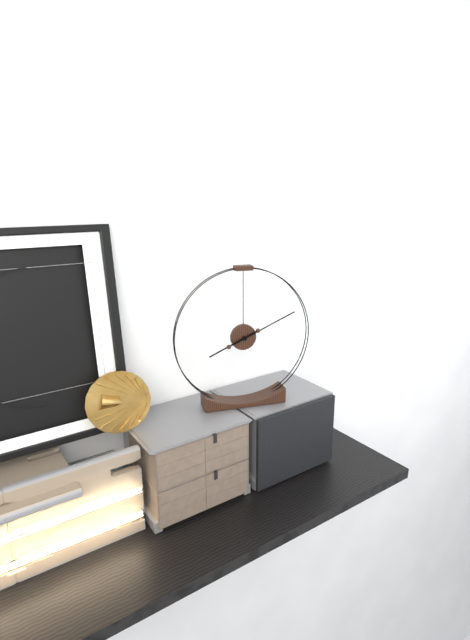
8h11
